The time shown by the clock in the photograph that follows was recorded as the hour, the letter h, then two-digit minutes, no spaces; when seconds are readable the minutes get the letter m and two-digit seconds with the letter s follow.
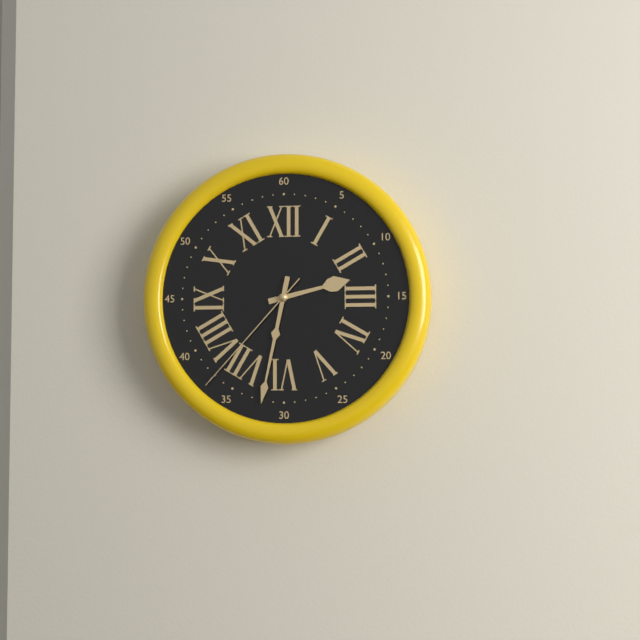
2h32m37s
